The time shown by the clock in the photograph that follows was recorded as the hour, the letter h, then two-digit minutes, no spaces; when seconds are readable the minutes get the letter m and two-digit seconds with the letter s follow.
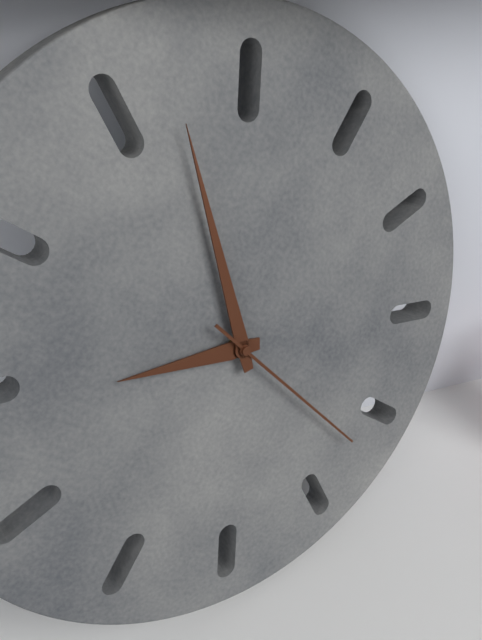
7h52m17s
